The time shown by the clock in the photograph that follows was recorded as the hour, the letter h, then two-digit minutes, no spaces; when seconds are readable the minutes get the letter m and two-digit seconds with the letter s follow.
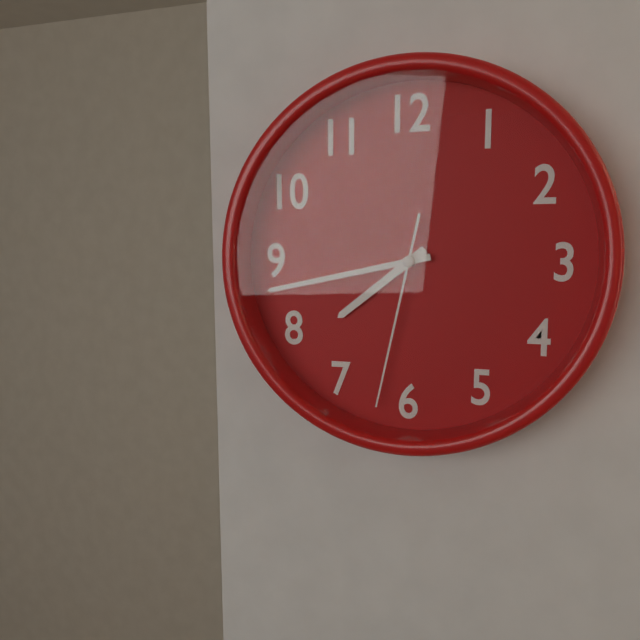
7h43m32s
